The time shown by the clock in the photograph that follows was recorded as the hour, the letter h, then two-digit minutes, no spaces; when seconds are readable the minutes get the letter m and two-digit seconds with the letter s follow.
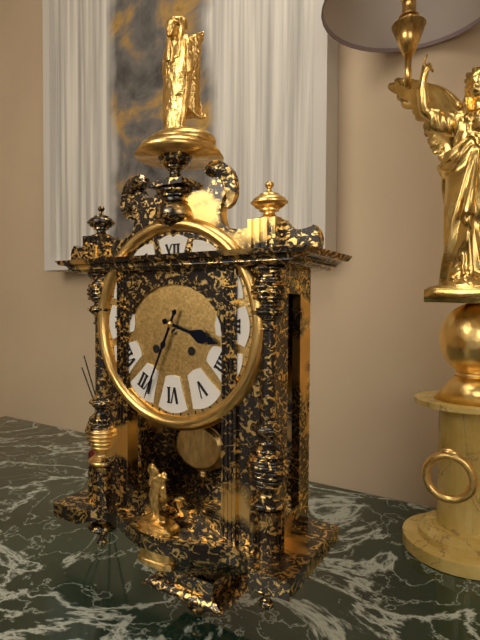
3h34
